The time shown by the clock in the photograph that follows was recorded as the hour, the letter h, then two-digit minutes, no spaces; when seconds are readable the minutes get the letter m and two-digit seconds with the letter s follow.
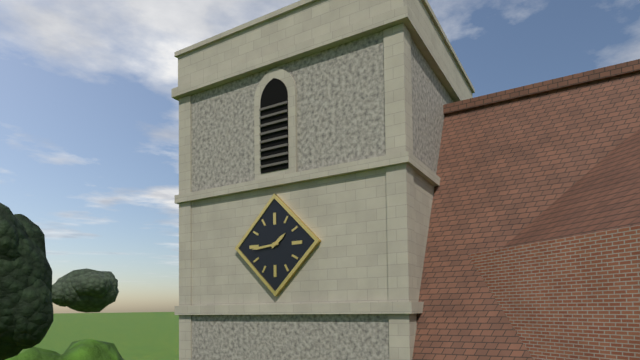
1h44
